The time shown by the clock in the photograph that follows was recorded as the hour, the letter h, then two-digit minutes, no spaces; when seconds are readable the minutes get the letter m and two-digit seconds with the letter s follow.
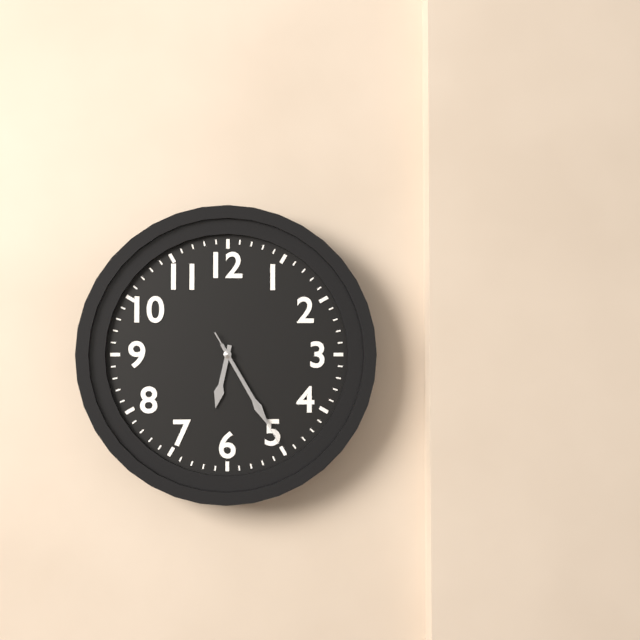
6h25m25s
